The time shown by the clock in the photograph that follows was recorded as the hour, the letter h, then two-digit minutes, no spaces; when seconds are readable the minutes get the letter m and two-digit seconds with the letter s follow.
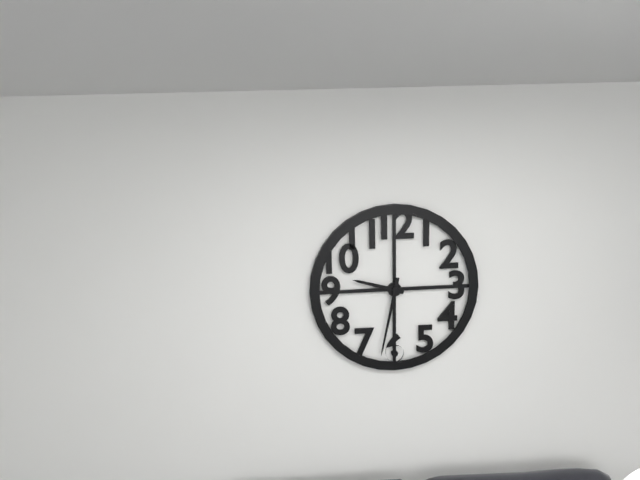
9h32
